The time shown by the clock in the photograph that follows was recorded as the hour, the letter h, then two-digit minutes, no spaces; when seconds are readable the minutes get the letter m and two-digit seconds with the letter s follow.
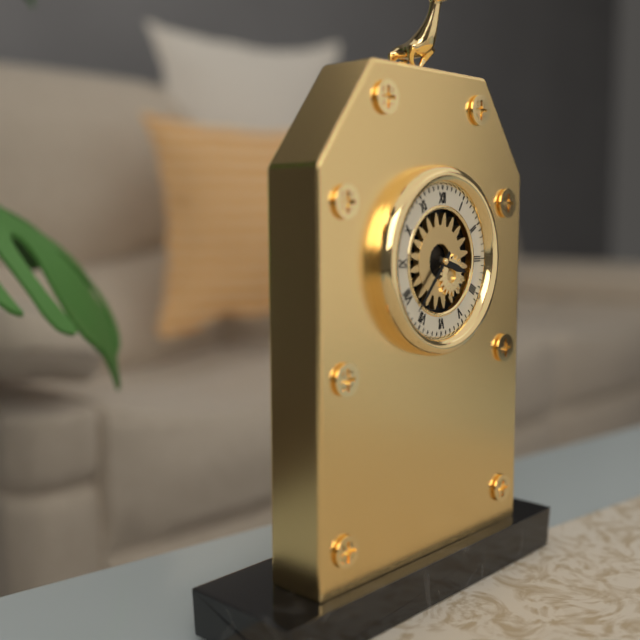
3h37
